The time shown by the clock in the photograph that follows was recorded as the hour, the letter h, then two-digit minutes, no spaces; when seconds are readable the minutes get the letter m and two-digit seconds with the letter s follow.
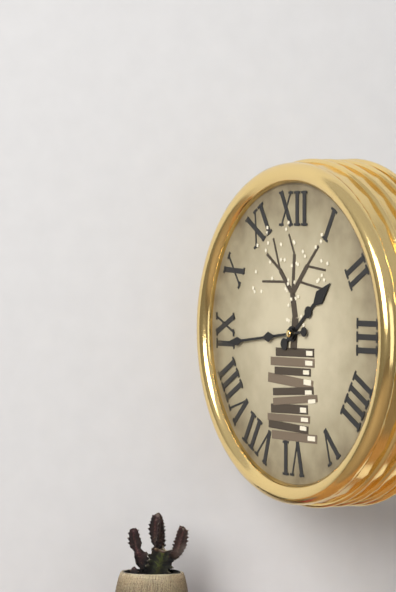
1h44
